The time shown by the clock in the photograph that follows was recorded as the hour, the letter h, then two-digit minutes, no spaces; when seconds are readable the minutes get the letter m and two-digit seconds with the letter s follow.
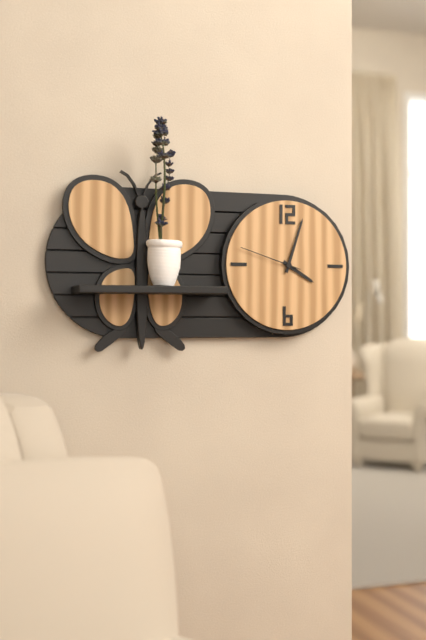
4h03m48s
